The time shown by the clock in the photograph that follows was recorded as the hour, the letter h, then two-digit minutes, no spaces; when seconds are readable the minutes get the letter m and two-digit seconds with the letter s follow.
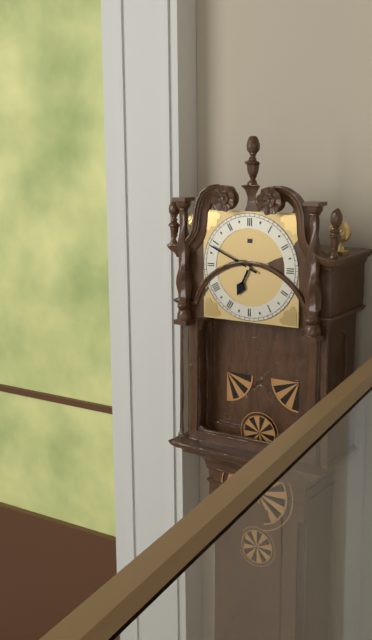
6h49
